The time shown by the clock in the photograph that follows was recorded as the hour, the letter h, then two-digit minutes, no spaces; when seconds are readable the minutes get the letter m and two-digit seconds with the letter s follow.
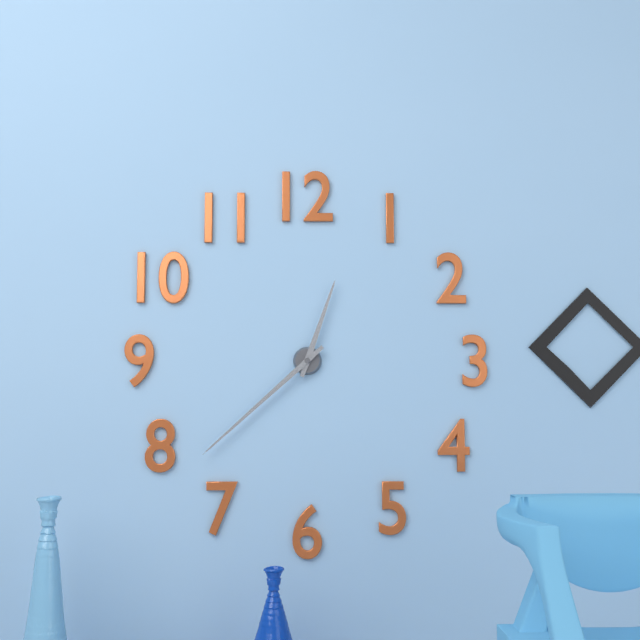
12h38
